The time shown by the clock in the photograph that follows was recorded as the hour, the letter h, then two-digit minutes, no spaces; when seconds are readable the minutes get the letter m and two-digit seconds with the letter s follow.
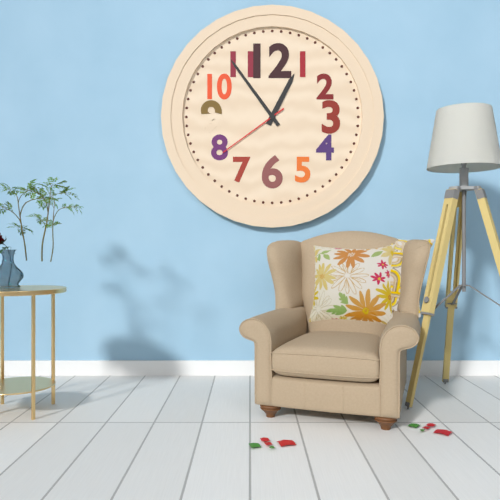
12h54m39s
